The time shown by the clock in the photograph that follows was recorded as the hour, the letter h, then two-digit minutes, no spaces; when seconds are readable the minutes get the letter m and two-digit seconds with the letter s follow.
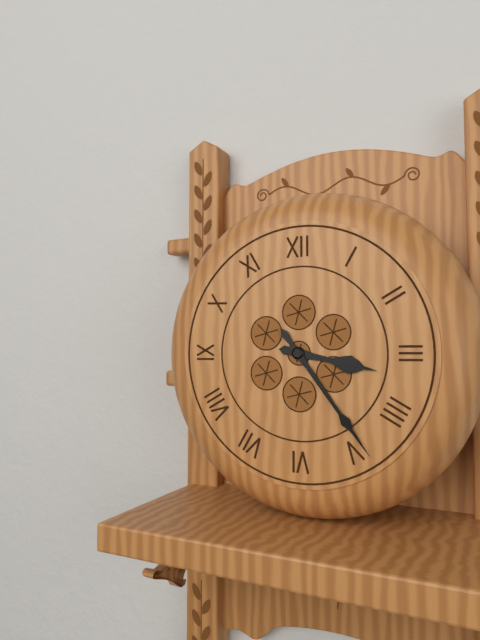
3h24
